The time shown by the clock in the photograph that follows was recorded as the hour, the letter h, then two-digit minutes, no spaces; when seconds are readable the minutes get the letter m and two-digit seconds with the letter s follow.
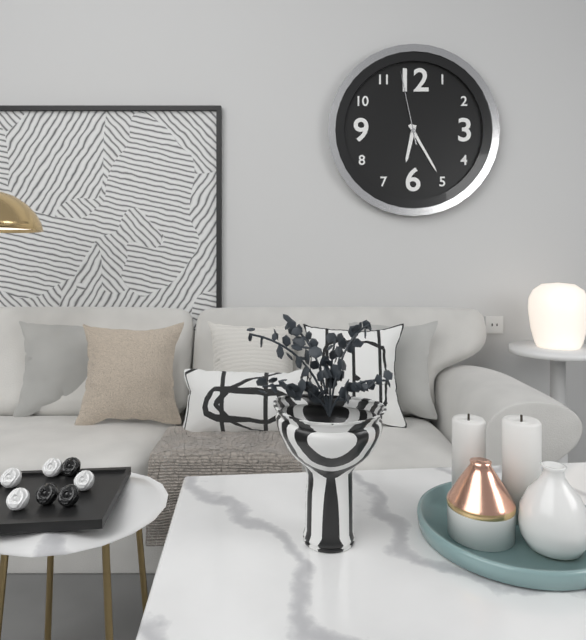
6h25m58s
